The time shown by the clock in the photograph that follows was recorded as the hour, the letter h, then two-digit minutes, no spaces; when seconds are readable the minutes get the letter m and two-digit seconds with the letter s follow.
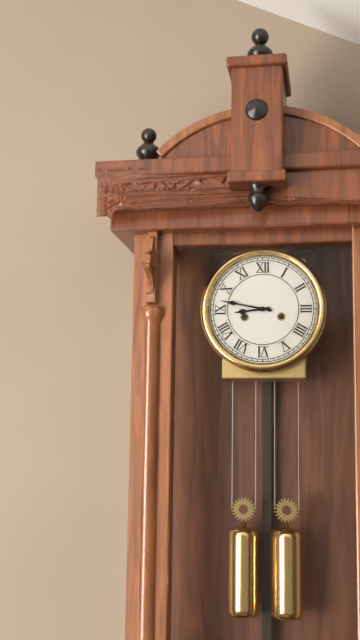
8h47
